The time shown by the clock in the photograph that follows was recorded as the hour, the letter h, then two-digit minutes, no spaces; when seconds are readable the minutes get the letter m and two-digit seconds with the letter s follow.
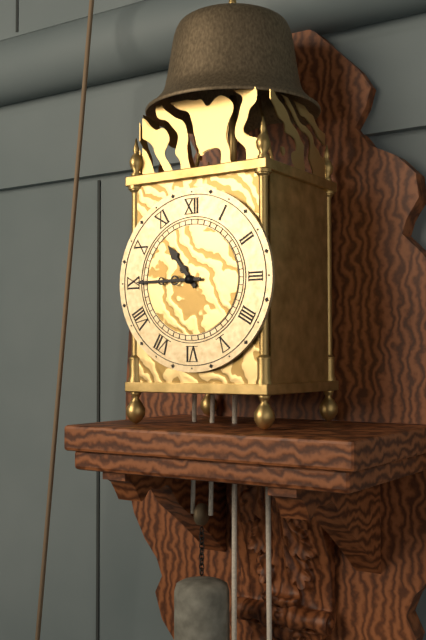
10h45
